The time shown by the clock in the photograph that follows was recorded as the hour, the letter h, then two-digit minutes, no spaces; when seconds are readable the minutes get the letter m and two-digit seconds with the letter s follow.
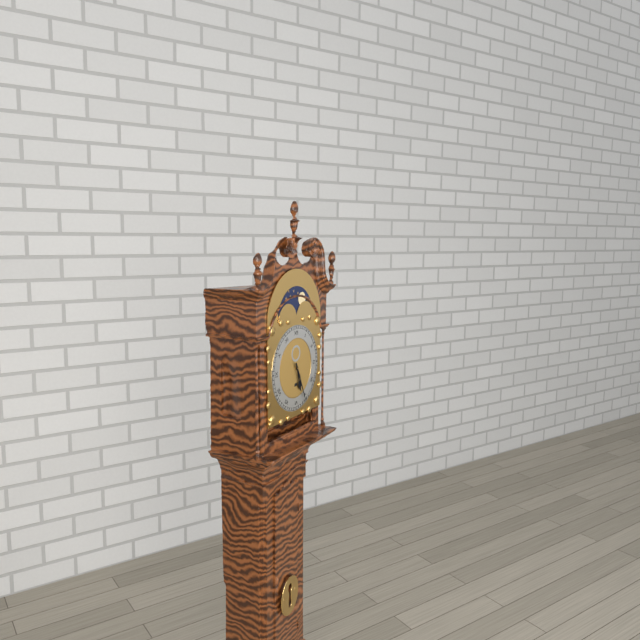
5h26
